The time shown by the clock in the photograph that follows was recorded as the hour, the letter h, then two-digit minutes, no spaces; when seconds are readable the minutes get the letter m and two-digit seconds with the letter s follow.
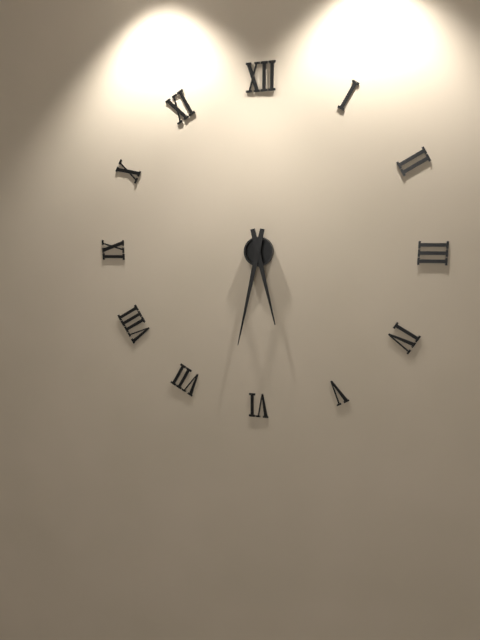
5h32
